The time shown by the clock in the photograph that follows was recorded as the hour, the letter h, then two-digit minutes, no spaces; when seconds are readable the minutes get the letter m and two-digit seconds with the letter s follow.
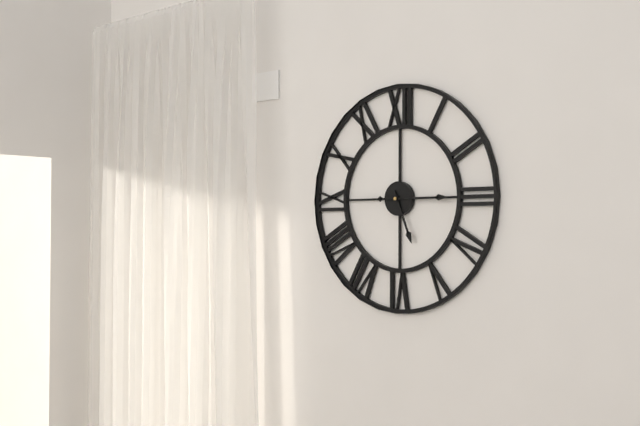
5h15
